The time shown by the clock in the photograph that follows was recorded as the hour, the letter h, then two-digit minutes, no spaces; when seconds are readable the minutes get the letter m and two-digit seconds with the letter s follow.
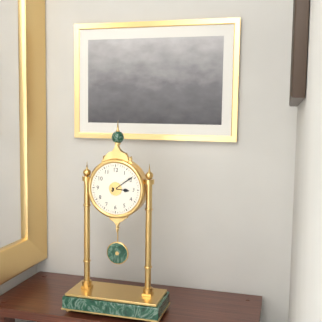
3h09
